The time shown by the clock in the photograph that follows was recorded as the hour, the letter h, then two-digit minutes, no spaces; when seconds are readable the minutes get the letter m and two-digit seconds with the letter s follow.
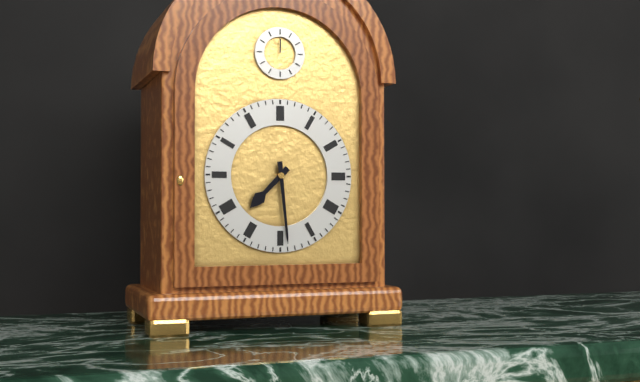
7h29
